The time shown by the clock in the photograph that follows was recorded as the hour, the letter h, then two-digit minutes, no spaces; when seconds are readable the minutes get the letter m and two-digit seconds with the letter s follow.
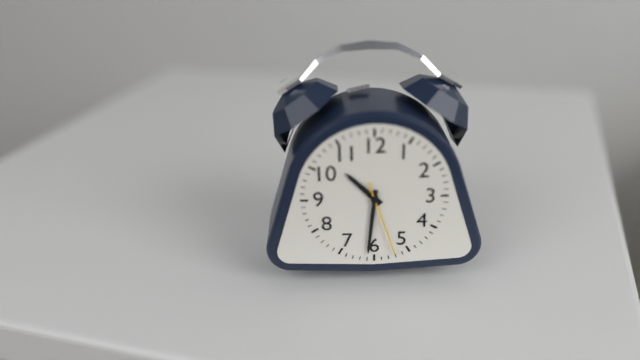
10h31m27s
